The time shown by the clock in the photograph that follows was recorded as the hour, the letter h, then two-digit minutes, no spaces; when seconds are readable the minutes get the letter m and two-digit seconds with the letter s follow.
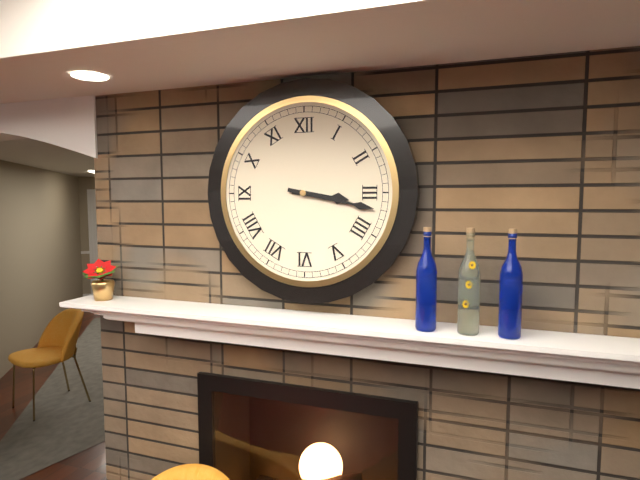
3h17
